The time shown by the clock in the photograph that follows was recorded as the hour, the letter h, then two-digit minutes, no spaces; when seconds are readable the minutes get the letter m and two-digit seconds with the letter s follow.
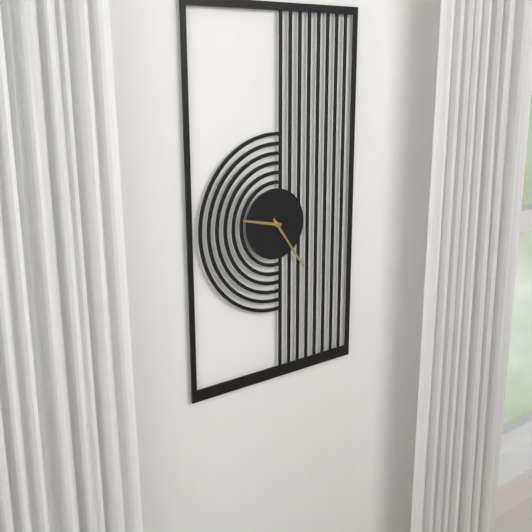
9h24
